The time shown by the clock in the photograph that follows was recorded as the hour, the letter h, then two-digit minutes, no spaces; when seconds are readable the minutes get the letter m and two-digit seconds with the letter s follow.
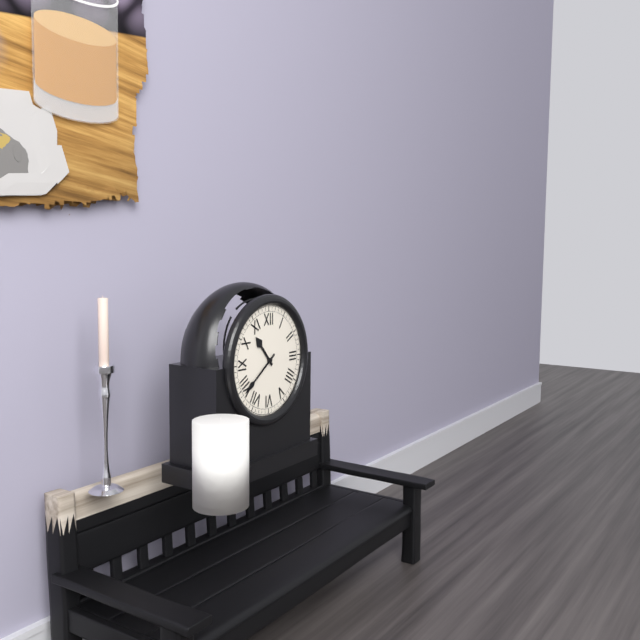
10h39
